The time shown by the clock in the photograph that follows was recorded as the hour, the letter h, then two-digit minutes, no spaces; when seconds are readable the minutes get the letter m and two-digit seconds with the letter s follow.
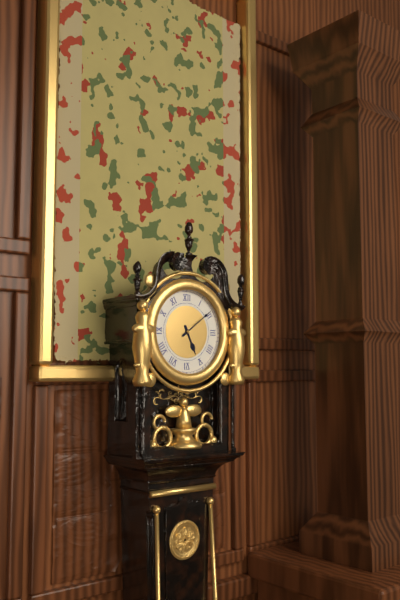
5h09
